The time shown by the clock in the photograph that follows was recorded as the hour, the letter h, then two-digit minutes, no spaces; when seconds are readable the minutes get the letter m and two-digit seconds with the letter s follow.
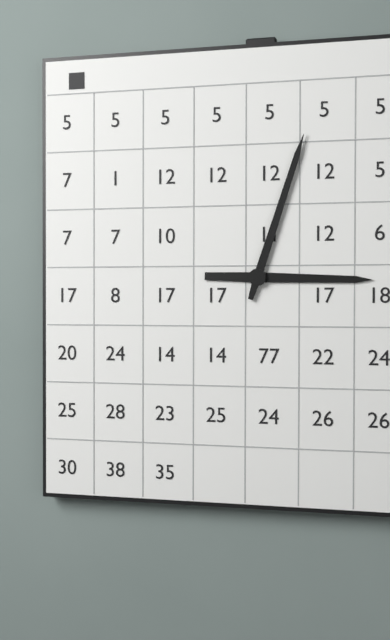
3h03
